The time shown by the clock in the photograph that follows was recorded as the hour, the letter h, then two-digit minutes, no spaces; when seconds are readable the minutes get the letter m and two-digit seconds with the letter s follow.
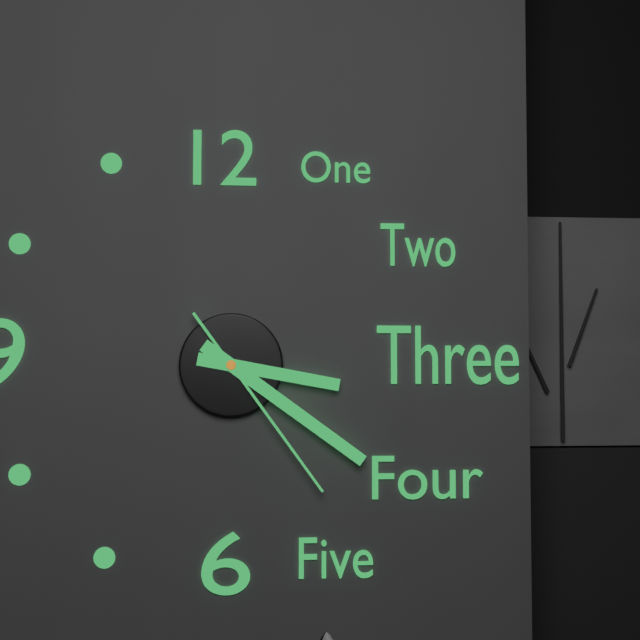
3h21m24s
